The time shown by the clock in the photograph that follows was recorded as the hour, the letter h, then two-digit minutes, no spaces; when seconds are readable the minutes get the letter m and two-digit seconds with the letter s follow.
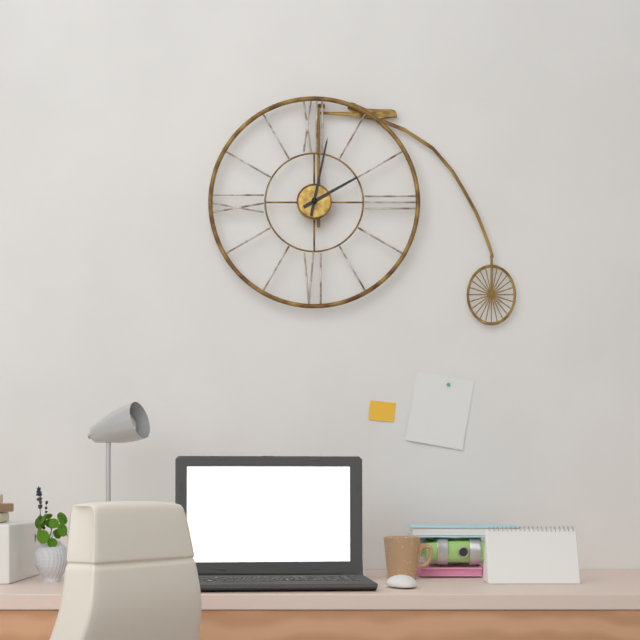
2h02
